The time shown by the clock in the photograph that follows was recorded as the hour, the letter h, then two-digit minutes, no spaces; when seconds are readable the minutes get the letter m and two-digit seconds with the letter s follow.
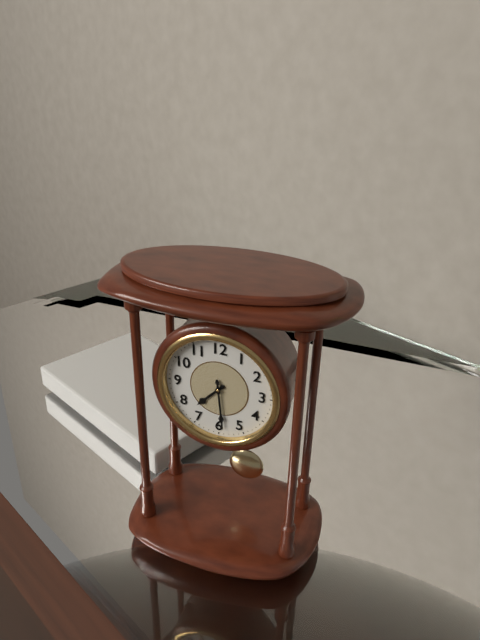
7h29
